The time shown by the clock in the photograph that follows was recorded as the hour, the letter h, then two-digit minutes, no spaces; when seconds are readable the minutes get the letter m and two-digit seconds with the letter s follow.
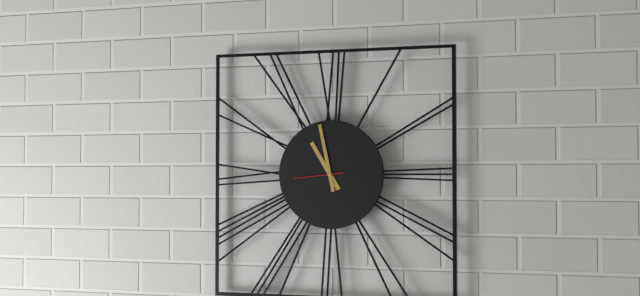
10h58
